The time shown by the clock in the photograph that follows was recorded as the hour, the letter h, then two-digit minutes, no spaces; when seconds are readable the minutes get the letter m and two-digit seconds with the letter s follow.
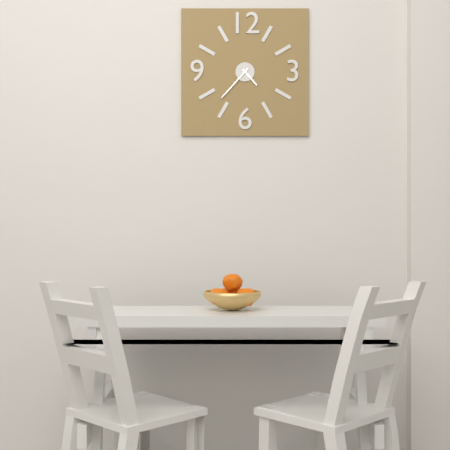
4h37
